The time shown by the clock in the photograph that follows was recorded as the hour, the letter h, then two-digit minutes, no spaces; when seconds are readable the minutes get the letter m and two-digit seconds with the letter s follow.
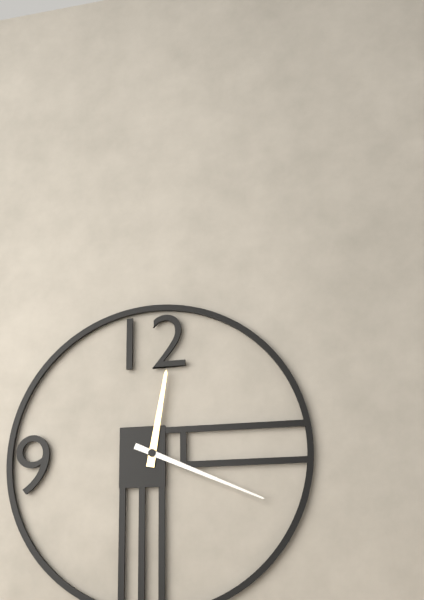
12h19
